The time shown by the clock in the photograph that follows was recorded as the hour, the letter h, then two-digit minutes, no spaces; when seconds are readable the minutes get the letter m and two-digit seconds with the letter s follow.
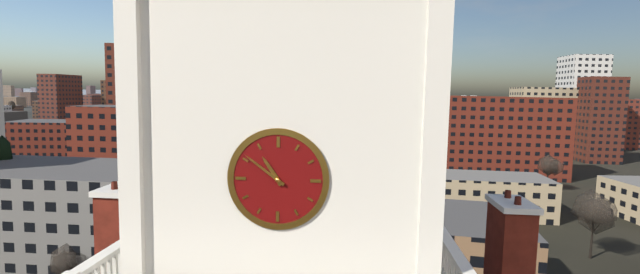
10h51
